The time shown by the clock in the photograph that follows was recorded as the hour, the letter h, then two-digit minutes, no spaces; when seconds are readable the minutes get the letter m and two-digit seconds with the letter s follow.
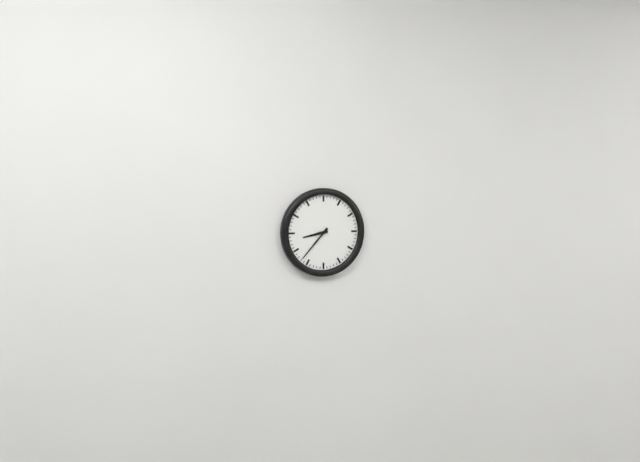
8h37
